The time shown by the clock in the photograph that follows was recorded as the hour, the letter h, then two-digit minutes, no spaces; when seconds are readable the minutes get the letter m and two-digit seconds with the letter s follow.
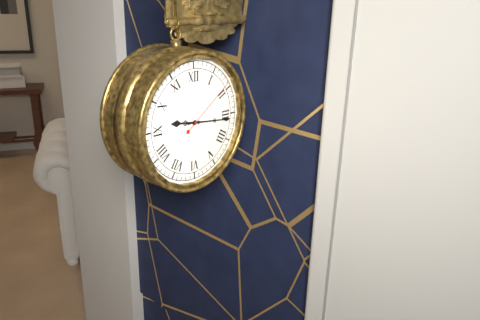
9h16m09s
